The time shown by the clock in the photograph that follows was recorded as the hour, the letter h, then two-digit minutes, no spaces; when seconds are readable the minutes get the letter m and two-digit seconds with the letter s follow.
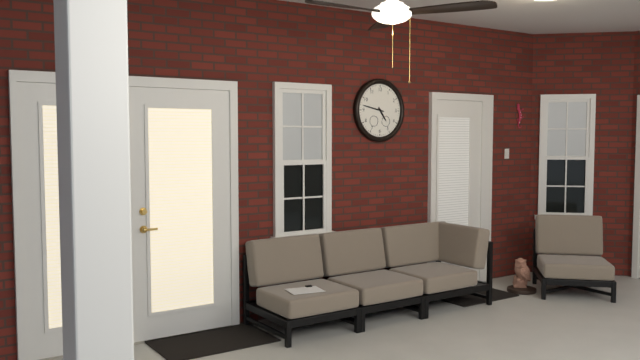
4h47
